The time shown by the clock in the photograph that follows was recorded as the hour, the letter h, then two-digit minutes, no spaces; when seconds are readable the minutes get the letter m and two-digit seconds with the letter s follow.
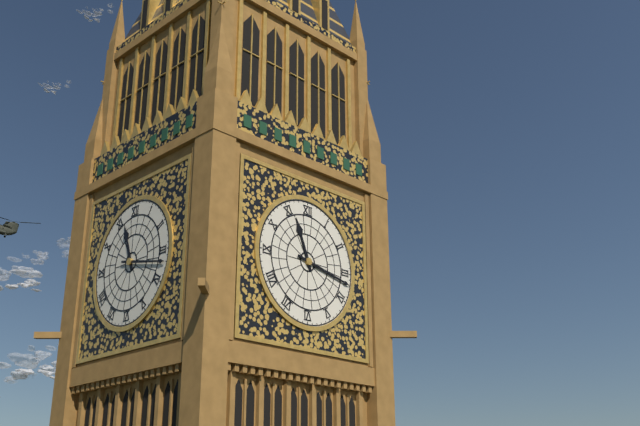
11h17
